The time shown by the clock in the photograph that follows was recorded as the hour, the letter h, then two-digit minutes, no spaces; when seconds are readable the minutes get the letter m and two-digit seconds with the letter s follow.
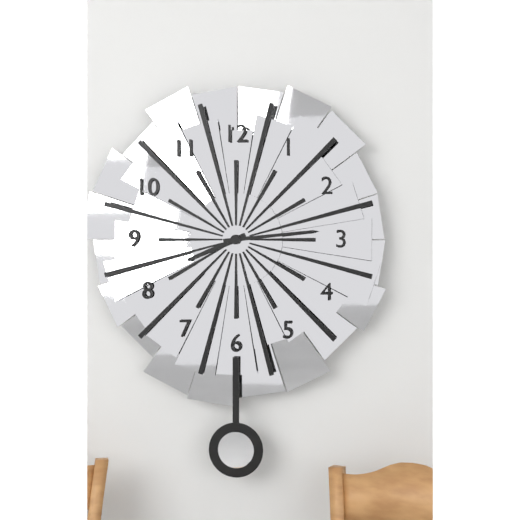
8h14
